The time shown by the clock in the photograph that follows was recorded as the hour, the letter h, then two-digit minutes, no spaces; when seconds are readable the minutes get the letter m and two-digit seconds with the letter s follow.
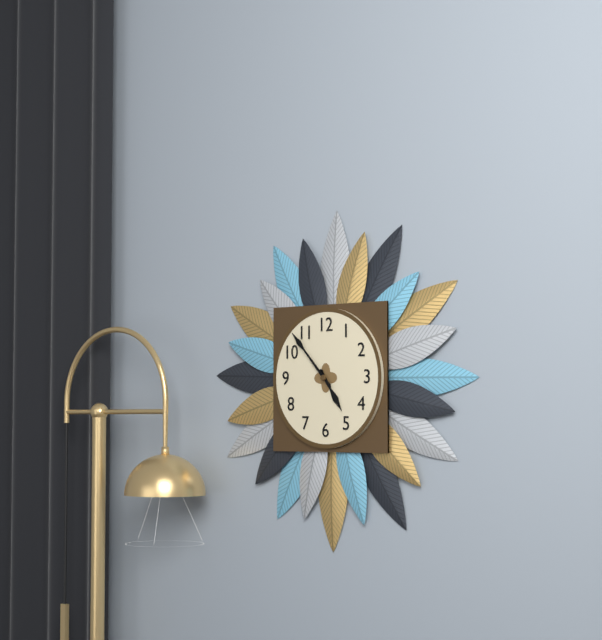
4h53
